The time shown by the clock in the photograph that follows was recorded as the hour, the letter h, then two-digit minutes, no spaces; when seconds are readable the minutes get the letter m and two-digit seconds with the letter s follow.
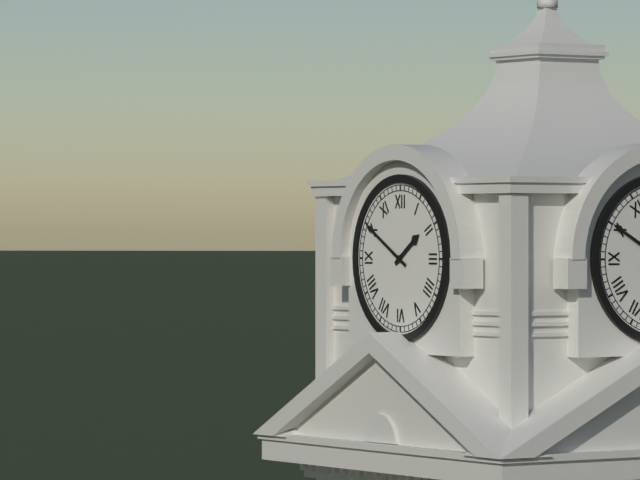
1h50
